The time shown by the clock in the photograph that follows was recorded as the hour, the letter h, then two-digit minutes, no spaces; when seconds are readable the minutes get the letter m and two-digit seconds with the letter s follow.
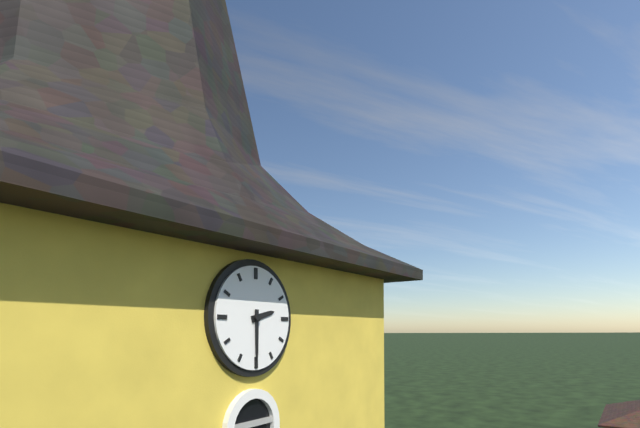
2h30
